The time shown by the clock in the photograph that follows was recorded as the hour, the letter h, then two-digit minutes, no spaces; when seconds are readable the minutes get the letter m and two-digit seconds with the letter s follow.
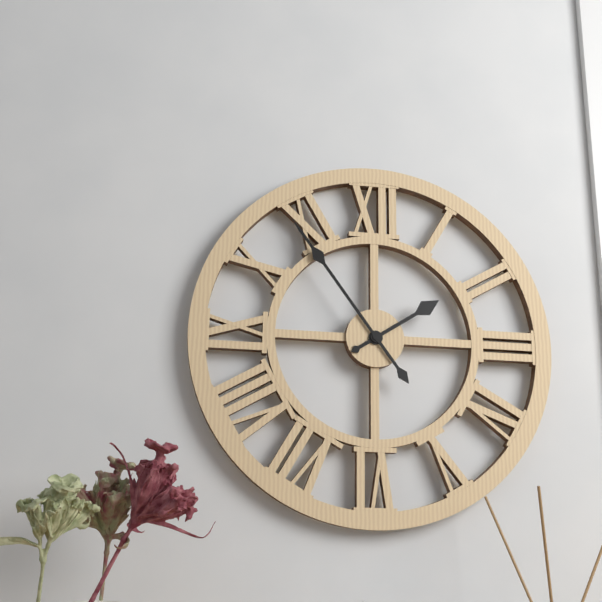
1h54
